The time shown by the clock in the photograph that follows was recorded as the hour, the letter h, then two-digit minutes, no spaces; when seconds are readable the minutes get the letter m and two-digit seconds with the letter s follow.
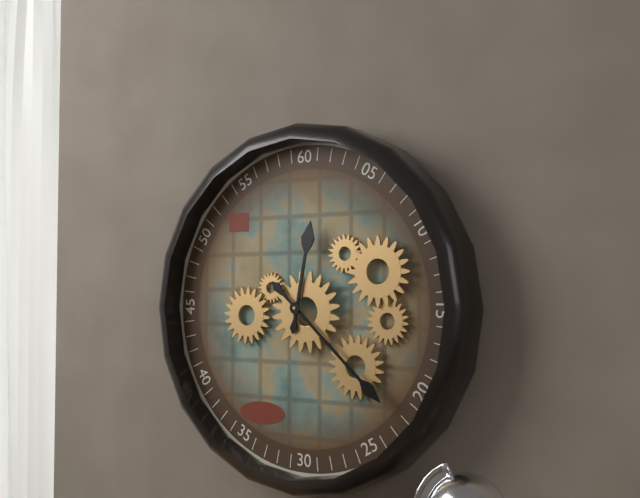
12h22
